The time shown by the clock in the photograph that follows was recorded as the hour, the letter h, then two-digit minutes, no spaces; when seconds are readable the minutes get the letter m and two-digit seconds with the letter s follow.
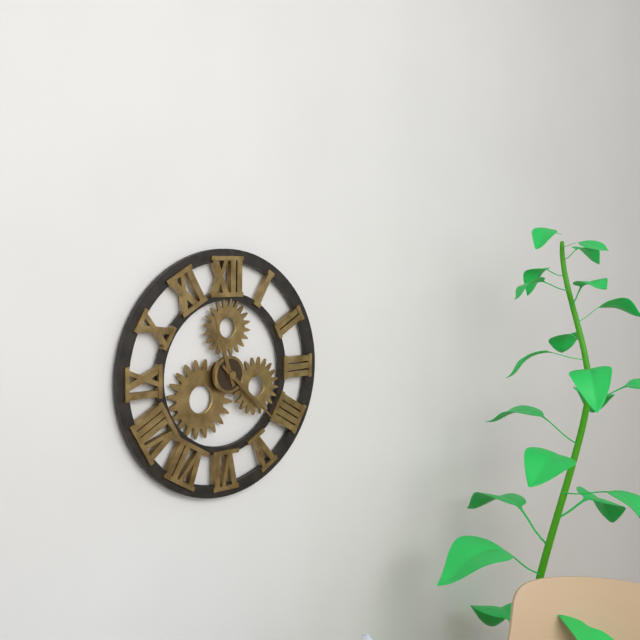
11h22
